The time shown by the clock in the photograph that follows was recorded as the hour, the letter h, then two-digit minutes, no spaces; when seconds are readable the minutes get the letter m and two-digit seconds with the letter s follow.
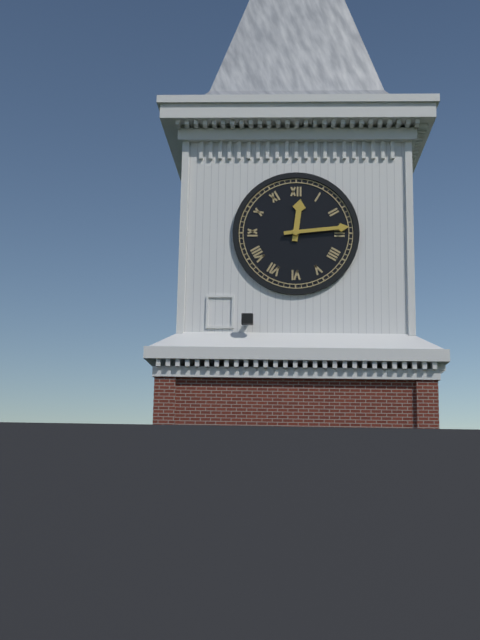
12h14
